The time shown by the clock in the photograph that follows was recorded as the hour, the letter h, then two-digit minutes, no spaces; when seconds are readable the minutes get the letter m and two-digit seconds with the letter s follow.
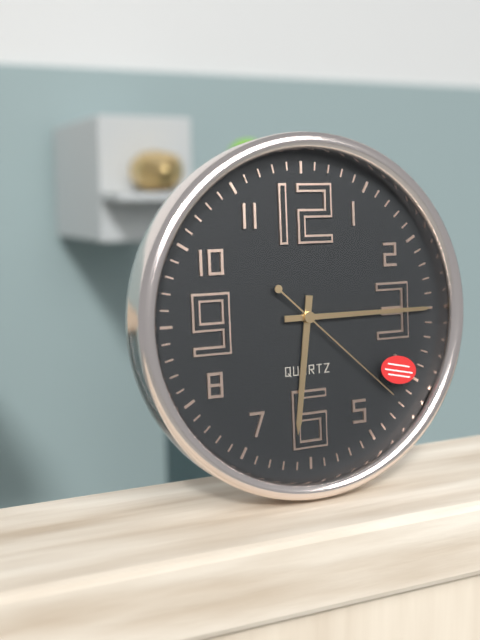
6h15m22s
